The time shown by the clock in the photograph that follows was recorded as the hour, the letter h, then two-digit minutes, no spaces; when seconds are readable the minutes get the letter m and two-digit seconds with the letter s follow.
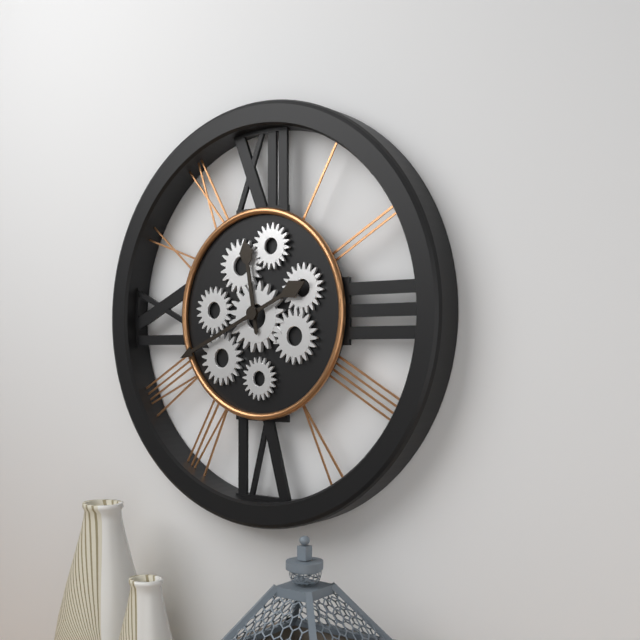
11h41
